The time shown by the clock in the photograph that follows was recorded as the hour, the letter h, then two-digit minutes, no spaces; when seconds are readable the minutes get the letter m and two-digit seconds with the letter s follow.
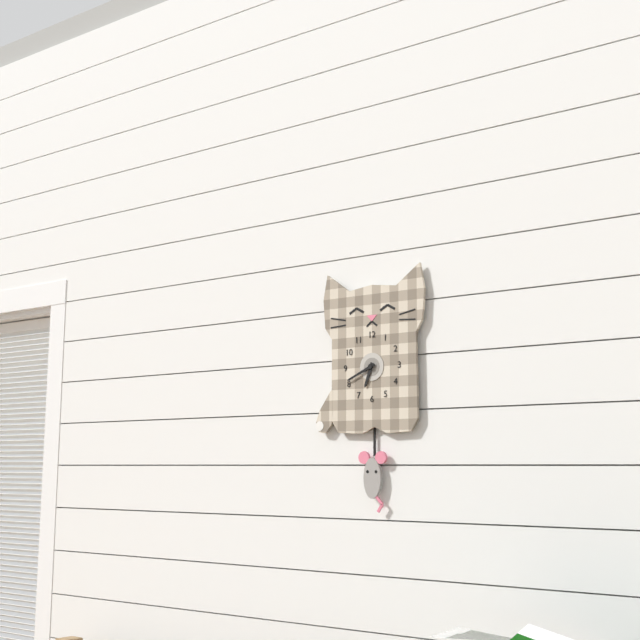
6h41
